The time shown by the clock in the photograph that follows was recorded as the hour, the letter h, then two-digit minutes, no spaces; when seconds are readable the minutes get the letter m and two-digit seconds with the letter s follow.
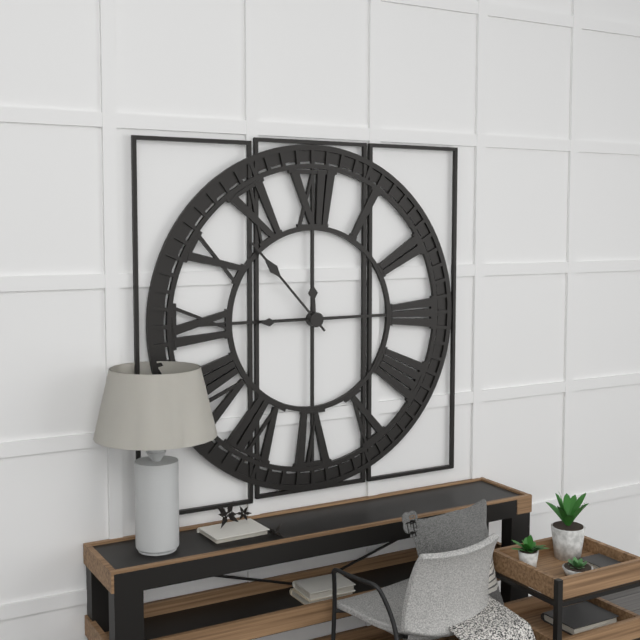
11h53m45s
